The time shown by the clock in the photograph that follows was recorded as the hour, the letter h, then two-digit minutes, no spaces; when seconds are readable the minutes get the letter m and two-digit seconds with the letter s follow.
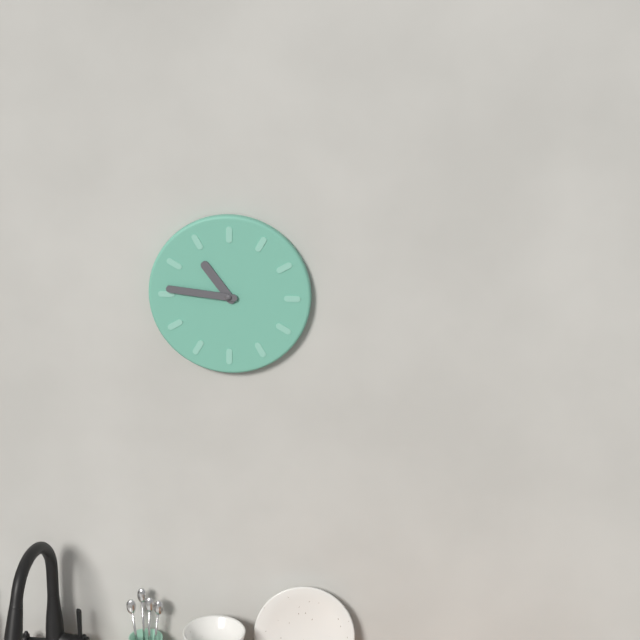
10h46
